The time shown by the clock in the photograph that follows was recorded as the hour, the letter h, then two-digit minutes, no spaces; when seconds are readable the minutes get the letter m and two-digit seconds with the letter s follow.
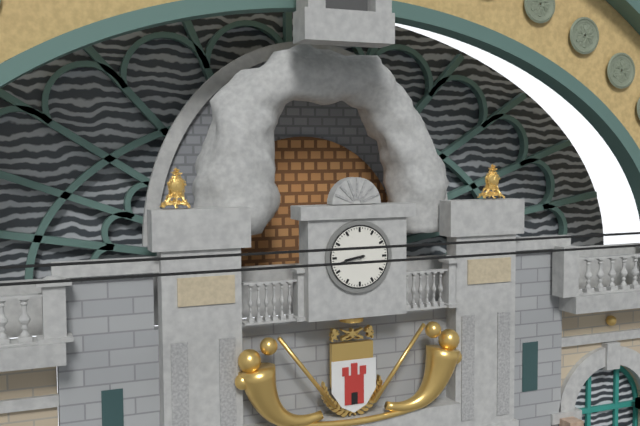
8h43
